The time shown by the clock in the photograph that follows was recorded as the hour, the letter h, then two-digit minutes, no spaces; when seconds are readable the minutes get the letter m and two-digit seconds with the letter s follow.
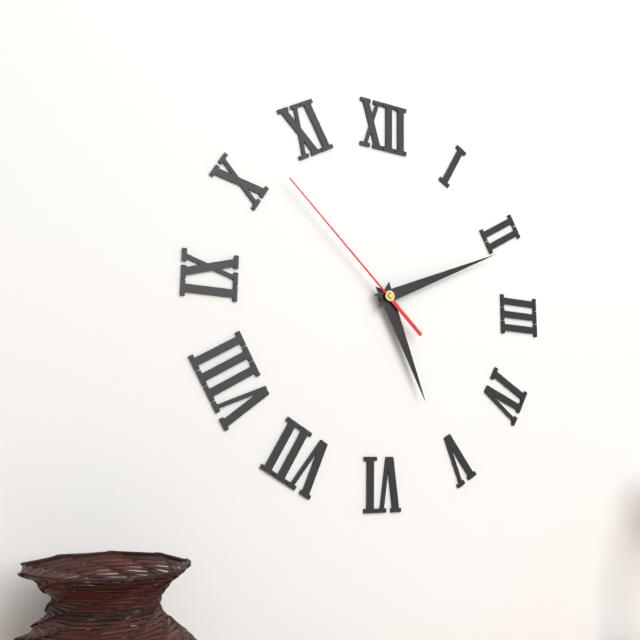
5h11m52s
